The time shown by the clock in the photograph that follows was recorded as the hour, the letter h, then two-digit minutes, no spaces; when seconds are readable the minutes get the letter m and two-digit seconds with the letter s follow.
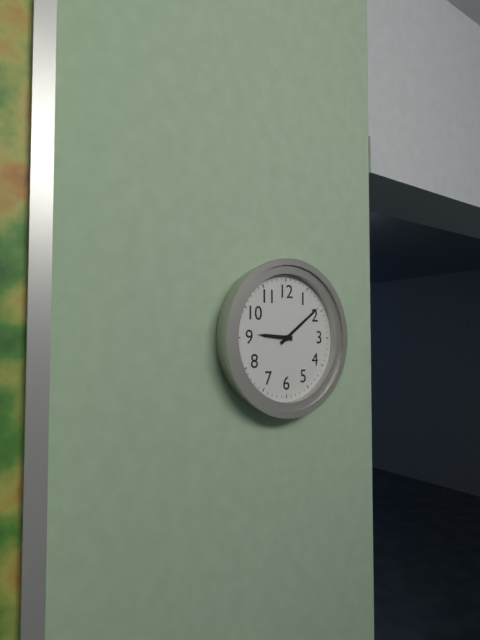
9h09
